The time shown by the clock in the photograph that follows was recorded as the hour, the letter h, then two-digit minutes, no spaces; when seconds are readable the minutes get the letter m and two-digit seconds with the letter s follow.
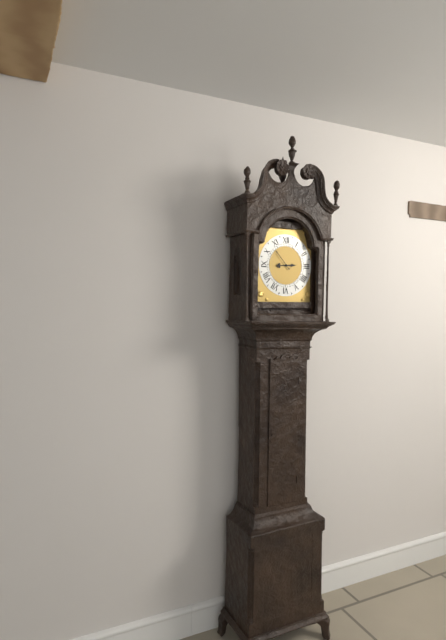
2h53
